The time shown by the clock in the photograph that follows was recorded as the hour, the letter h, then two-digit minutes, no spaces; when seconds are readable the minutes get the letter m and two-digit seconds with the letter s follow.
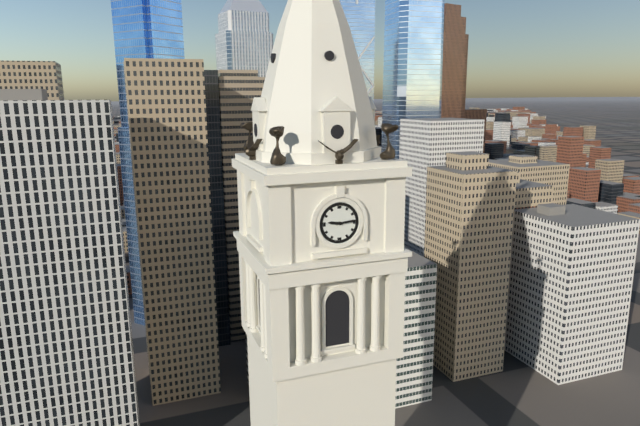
9h14
